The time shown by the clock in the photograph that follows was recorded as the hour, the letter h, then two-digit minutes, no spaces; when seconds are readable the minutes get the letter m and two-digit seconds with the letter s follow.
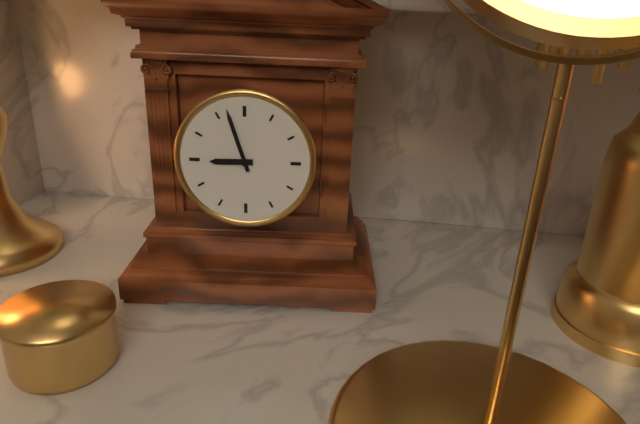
8h57
